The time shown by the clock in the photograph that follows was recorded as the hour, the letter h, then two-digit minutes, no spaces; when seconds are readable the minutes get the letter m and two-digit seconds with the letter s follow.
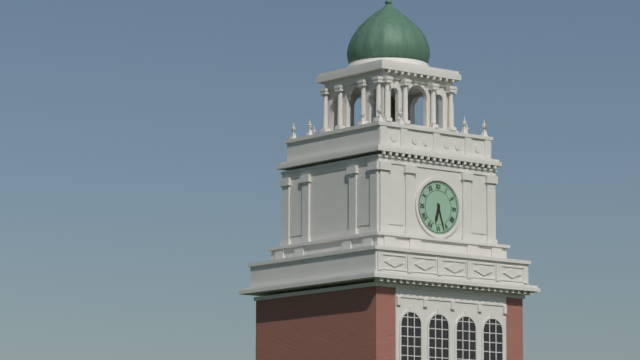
6h27
